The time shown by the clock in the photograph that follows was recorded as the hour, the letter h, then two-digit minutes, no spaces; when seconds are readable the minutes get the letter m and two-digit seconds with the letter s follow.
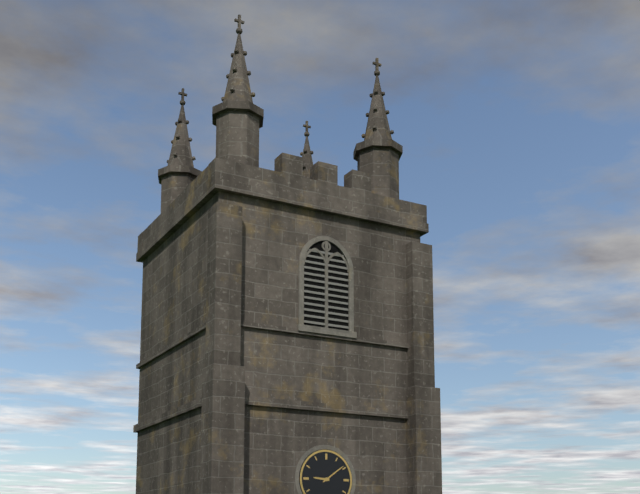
9h09
